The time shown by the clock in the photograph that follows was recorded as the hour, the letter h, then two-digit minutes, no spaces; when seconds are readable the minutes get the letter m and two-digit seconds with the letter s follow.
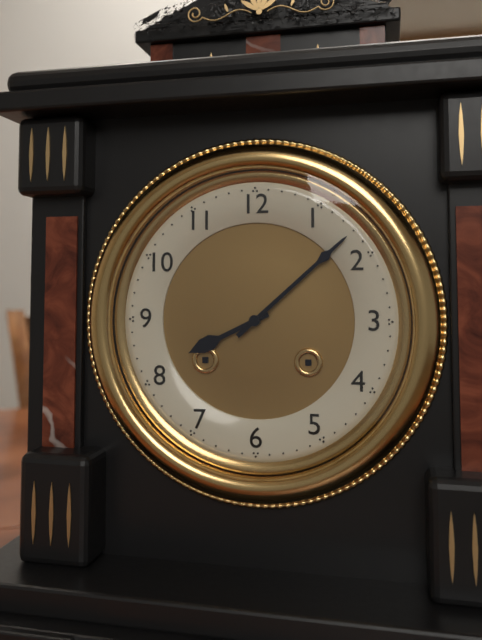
8h08
